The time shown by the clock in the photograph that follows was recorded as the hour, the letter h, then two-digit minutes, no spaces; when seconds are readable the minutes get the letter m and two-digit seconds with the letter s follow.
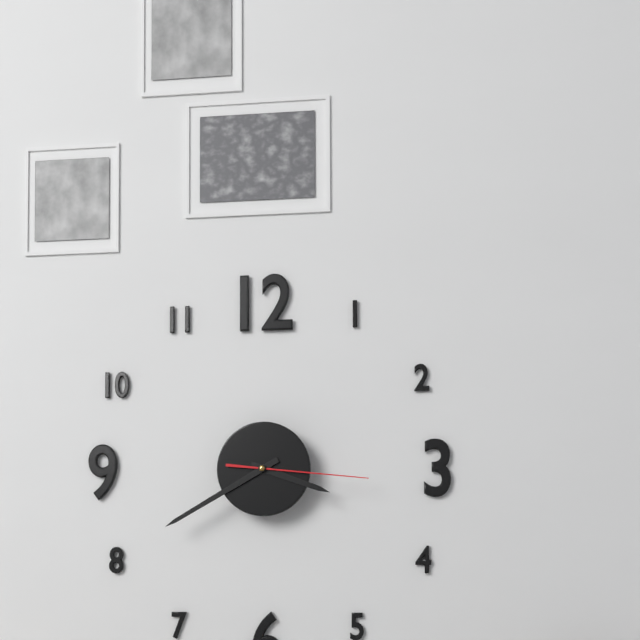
3h40m16s
